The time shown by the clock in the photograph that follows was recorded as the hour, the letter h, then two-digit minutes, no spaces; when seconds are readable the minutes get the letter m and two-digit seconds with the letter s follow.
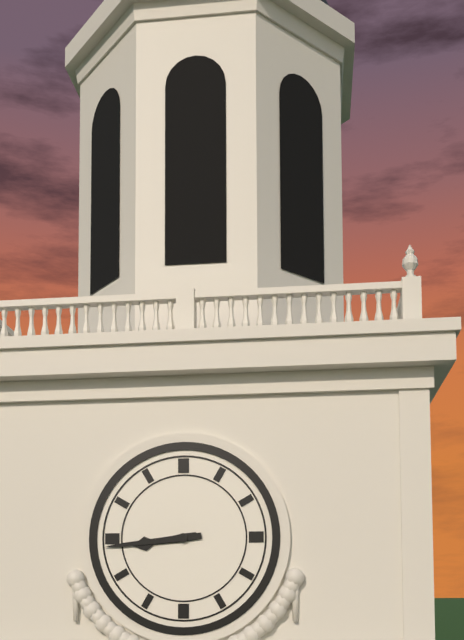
8h44
